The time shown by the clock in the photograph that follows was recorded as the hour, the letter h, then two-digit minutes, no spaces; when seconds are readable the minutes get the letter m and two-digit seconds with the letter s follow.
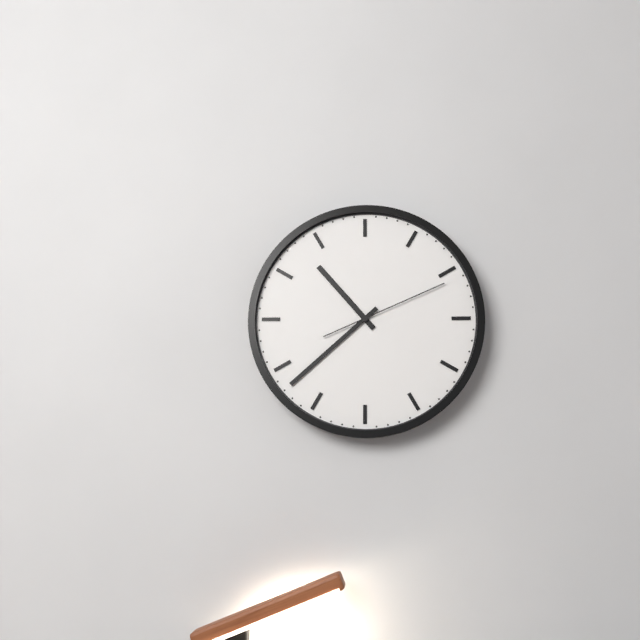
10h38m11s
